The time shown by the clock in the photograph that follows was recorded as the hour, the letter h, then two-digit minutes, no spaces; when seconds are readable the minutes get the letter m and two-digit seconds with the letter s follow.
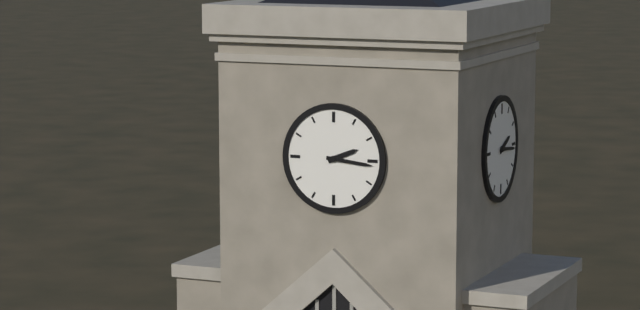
2h16
